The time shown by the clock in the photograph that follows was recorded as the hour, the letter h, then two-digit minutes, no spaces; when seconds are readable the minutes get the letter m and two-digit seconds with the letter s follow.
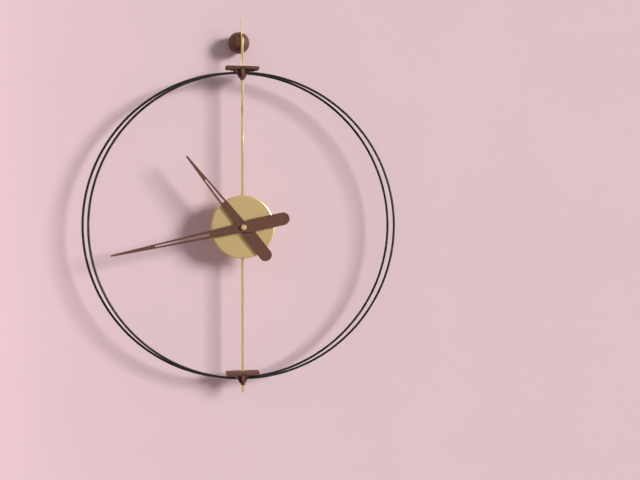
10h43
